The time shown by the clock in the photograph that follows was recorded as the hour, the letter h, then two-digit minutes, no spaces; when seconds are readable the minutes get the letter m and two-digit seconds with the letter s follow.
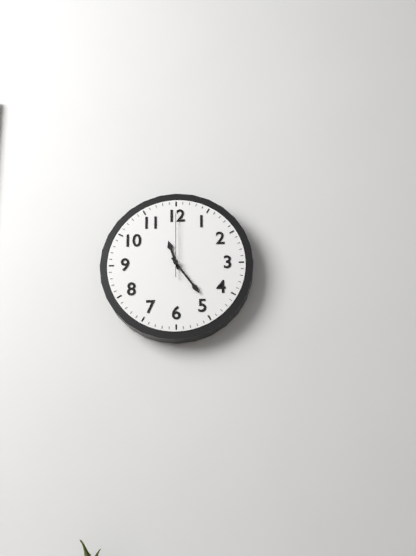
11h24m00s
